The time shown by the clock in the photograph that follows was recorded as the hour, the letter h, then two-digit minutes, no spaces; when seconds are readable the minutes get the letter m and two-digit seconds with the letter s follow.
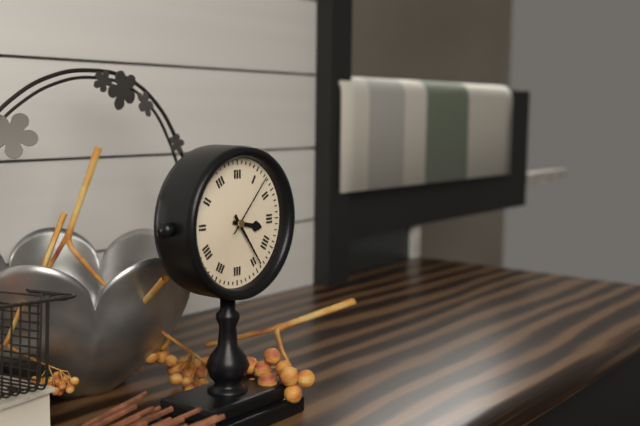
3h24m07s
